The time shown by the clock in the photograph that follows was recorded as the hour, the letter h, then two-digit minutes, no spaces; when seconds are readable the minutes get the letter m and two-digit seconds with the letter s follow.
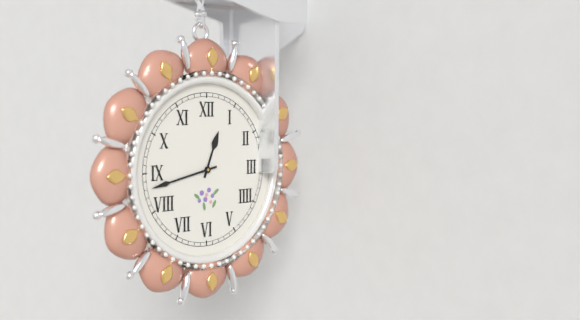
12h43
